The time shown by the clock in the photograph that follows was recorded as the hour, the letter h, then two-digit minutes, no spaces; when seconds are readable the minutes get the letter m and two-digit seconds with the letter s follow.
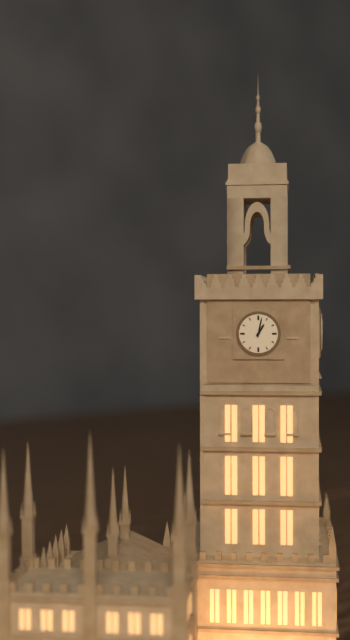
1h02
